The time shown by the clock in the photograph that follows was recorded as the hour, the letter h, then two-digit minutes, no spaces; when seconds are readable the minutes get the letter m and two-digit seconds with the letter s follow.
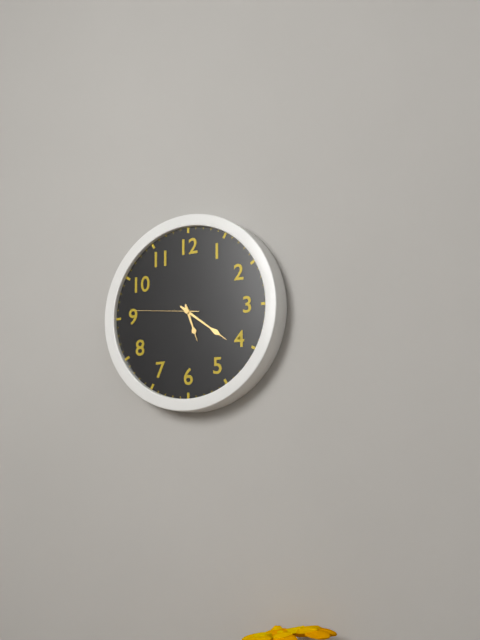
5h21m46s
